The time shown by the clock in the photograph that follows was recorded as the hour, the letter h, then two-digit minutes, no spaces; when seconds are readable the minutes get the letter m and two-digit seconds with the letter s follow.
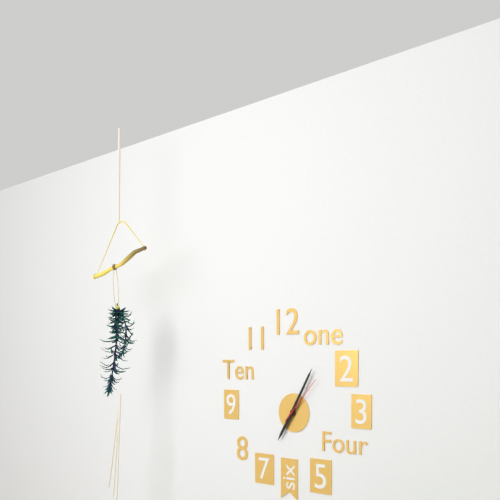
7h05
